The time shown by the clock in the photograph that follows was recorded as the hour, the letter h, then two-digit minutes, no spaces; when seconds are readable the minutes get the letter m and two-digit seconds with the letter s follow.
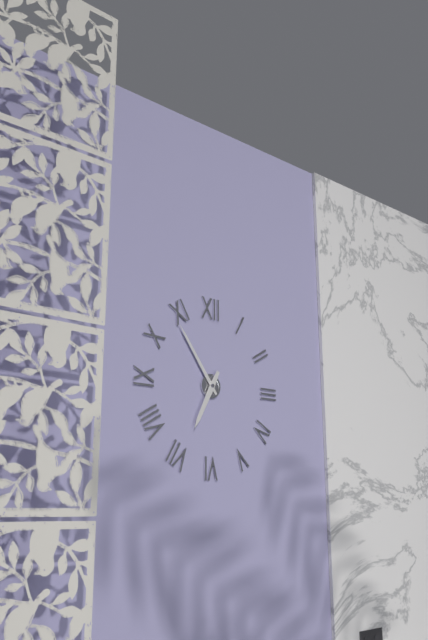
6h54
